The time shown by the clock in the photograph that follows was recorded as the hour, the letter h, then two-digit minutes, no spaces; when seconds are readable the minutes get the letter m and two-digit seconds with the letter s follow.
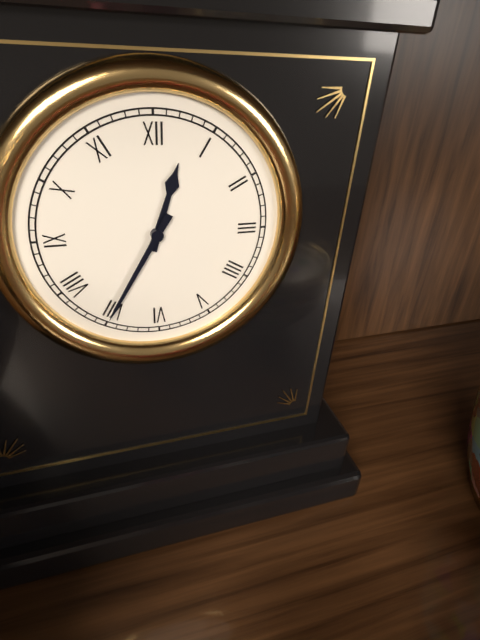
12h35
